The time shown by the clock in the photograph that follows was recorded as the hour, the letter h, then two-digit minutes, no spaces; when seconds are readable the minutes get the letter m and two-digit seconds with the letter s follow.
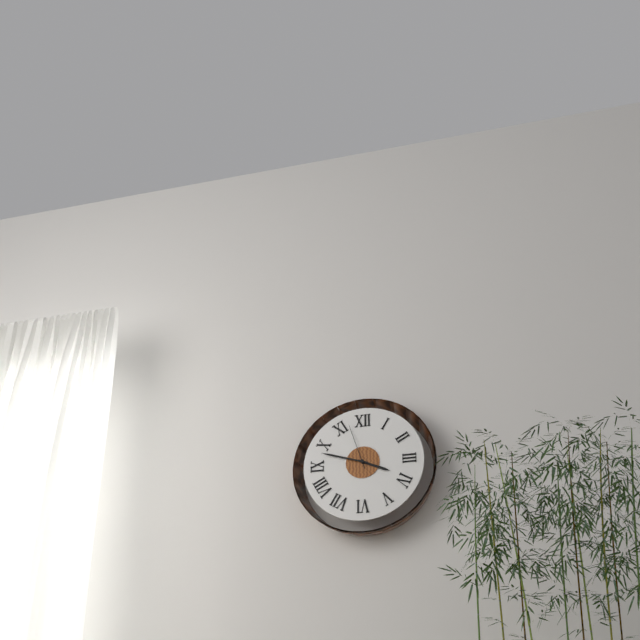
3h48m57s
